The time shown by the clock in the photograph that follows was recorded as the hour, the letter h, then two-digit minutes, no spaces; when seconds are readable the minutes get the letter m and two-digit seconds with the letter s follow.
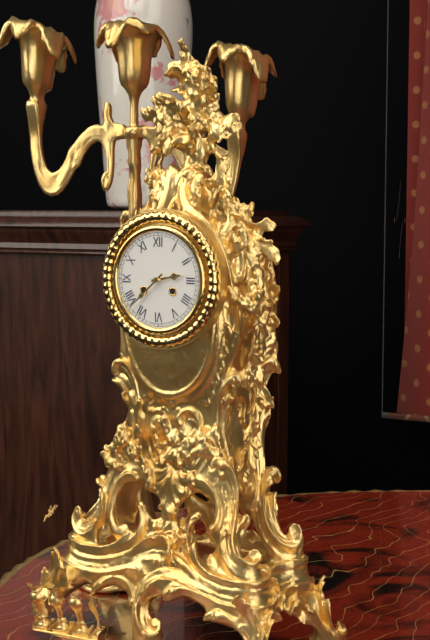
2h38
